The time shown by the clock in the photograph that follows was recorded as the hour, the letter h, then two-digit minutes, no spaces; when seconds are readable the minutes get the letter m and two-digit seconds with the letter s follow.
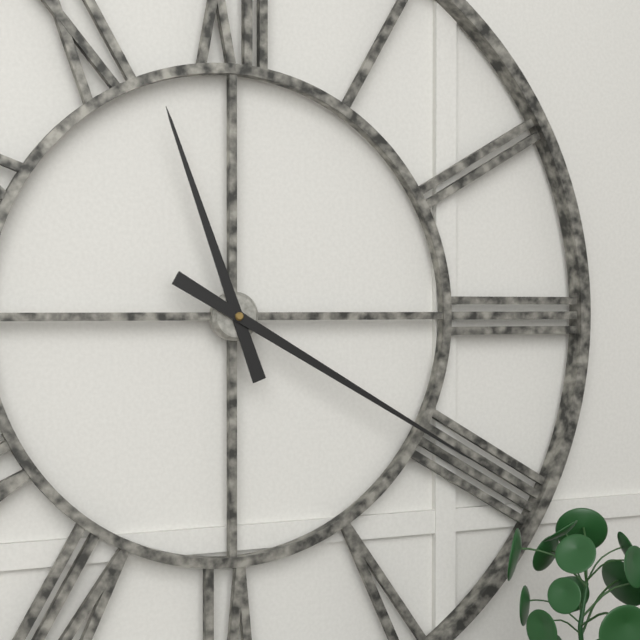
11h20
